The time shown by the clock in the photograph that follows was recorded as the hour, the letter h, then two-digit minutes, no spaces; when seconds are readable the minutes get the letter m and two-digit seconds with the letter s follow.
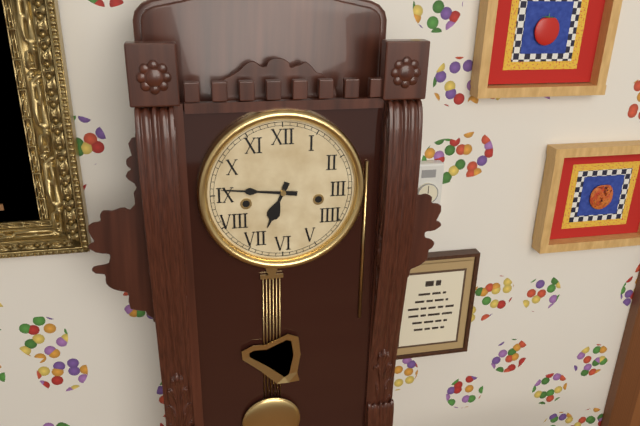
6h46
